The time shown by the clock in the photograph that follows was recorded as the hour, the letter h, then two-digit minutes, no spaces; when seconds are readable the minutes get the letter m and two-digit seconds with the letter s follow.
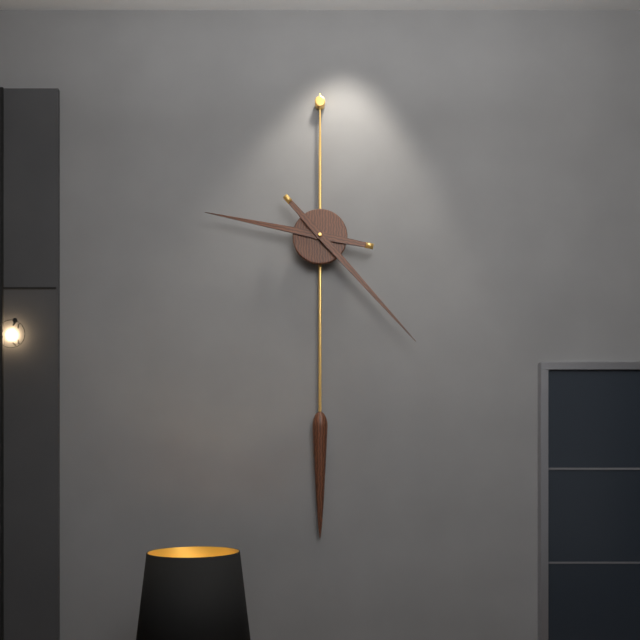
9h23
